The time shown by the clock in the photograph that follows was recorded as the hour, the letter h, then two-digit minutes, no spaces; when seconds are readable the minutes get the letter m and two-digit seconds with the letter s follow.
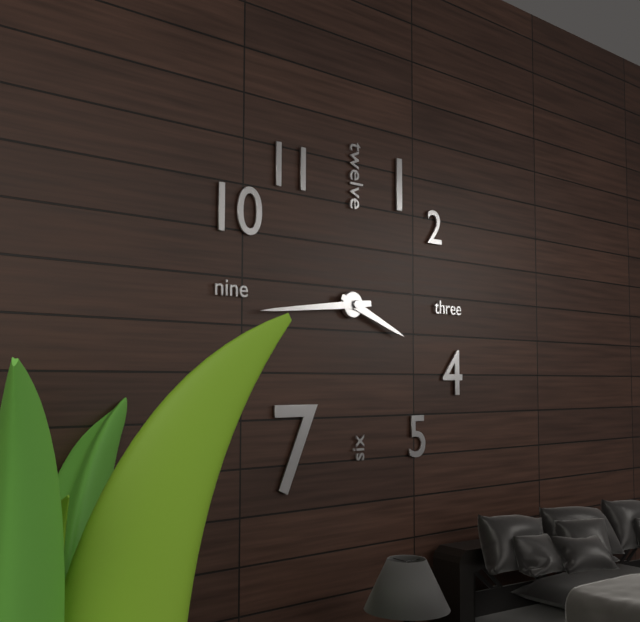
3h44
